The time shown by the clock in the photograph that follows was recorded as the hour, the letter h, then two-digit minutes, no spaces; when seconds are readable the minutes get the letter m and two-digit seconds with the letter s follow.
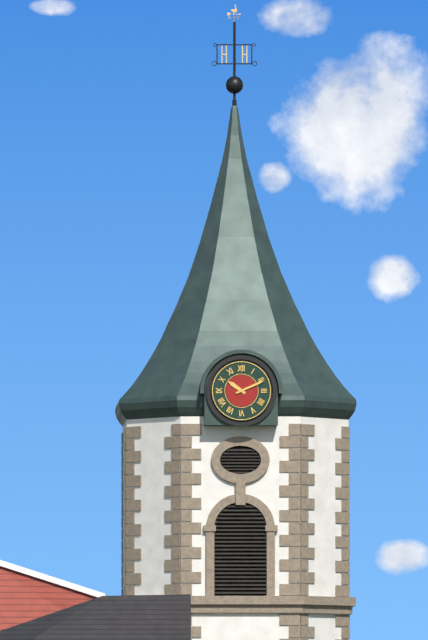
10h11
